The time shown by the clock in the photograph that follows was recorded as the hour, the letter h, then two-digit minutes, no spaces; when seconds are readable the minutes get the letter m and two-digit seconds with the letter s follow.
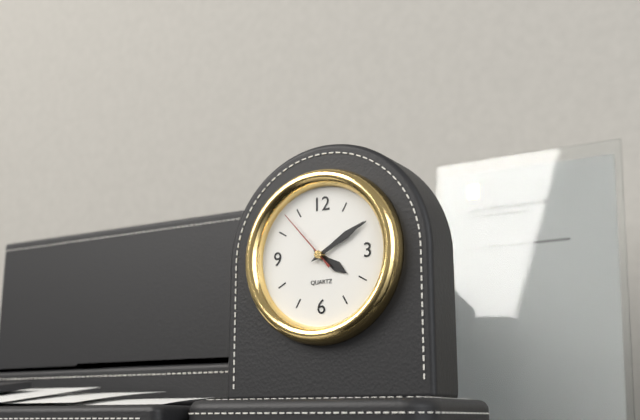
4h10m53s
